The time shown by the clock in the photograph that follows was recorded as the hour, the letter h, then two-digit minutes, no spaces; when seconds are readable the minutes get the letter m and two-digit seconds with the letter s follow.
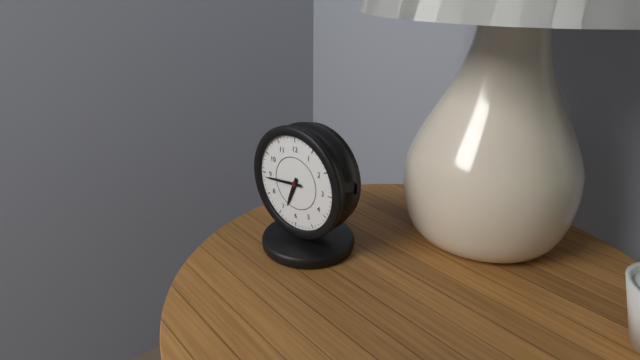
6h44
